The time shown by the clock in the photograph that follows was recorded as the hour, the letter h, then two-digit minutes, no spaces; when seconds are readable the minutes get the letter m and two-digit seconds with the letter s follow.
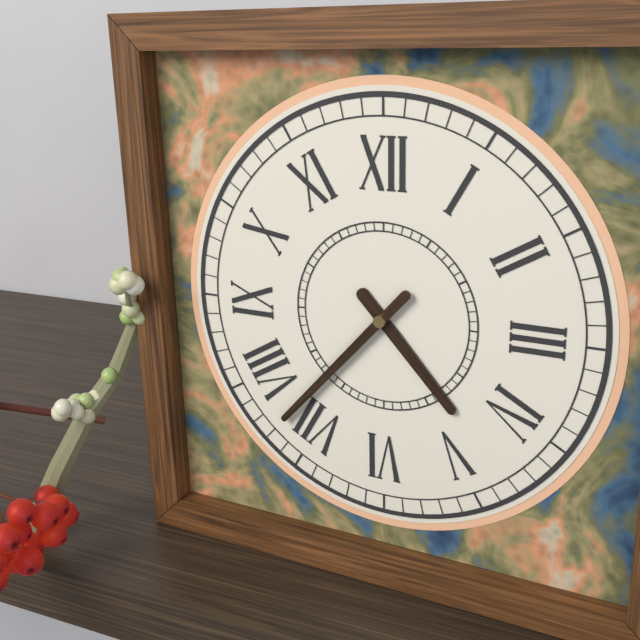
4h37
